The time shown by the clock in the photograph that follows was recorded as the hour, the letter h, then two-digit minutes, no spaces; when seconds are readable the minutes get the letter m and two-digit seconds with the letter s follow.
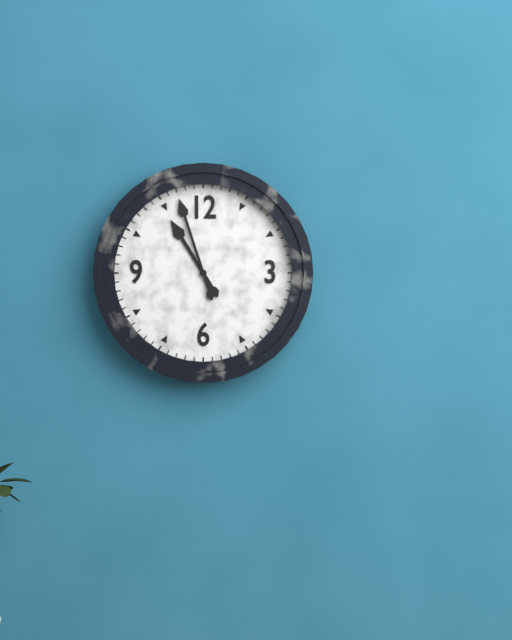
10h57
